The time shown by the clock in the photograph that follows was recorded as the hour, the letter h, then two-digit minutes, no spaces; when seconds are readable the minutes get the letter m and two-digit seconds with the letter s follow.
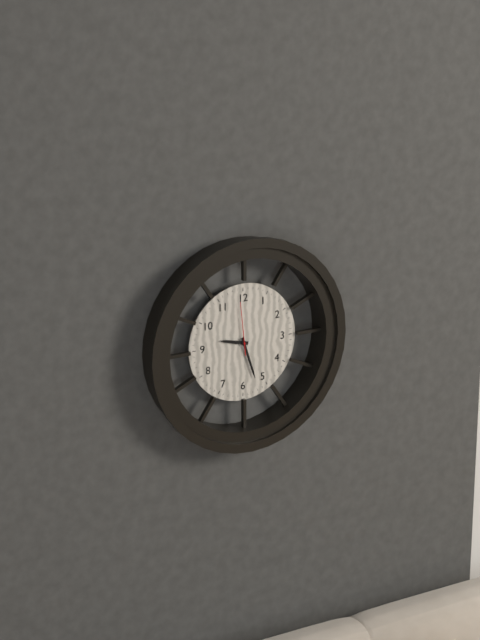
9h27m59s
